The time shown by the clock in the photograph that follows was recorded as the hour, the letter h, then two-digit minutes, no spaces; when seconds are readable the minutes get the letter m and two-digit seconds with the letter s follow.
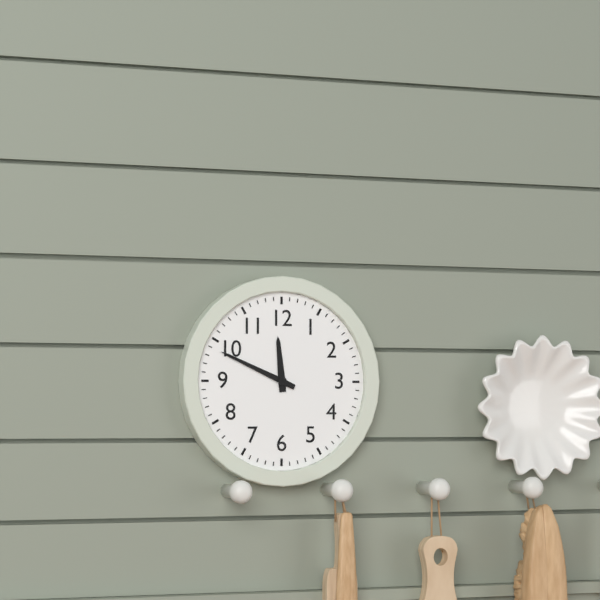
11h49
